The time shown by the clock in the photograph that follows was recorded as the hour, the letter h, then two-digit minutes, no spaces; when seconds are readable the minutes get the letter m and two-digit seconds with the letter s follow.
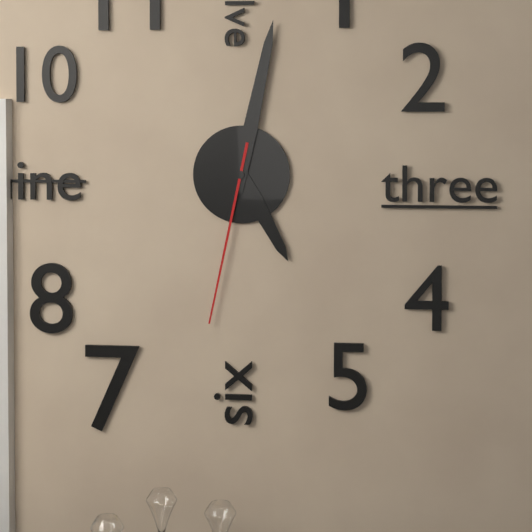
5h02m32s
